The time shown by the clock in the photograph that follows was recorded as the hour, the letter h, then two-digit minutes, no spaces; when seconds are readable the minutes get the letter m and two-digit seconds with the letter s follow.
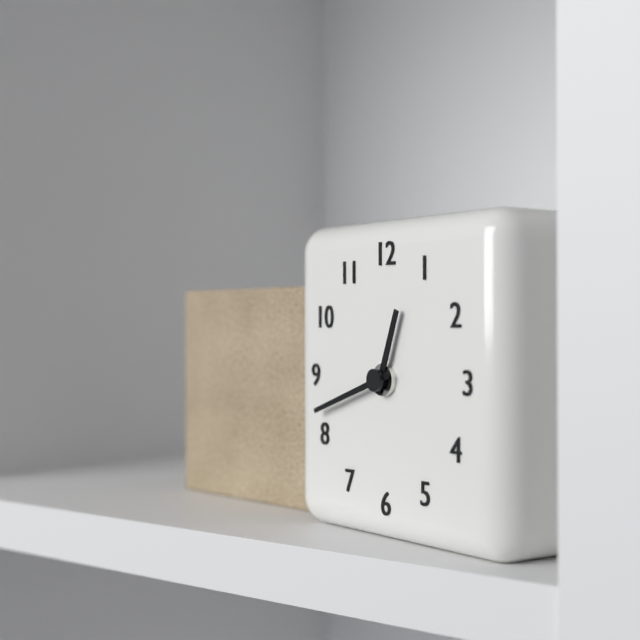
12h42
